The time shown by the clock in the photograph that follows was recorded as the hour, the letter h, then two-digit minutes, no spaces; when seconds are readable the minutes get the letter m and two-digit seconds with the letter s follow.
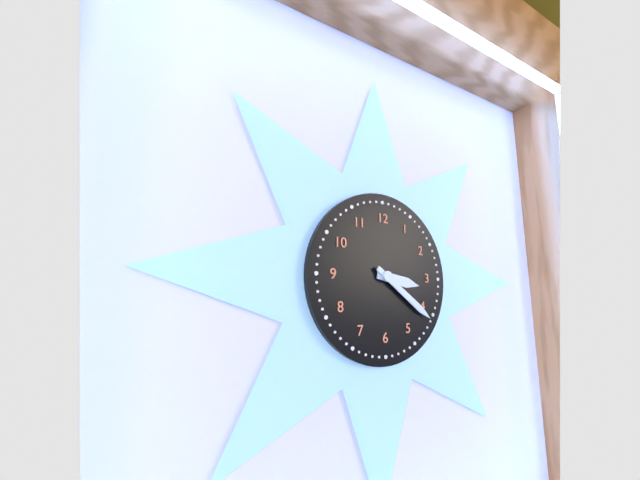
3h21
